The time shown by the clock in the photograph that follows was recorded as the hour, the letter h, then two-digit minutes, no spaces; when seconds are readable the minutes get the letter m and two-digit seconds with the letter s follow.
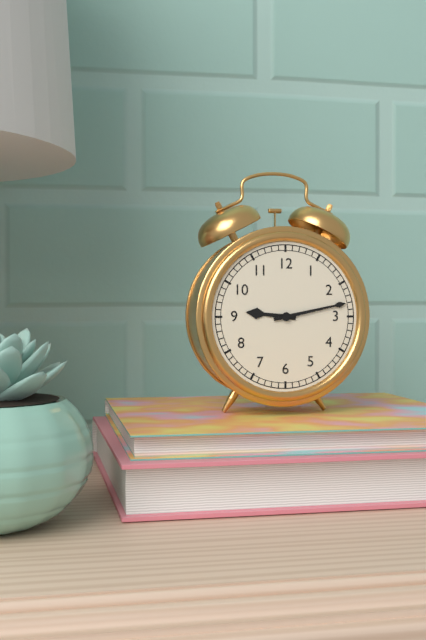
9h13
